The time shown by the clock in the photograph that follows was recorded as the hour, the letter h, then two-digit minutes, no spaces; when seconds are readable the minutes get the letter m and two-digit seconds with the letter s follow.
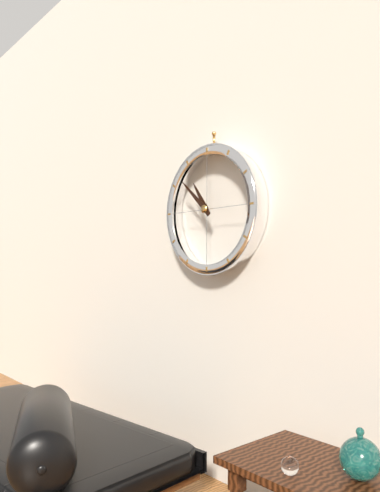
10h52
